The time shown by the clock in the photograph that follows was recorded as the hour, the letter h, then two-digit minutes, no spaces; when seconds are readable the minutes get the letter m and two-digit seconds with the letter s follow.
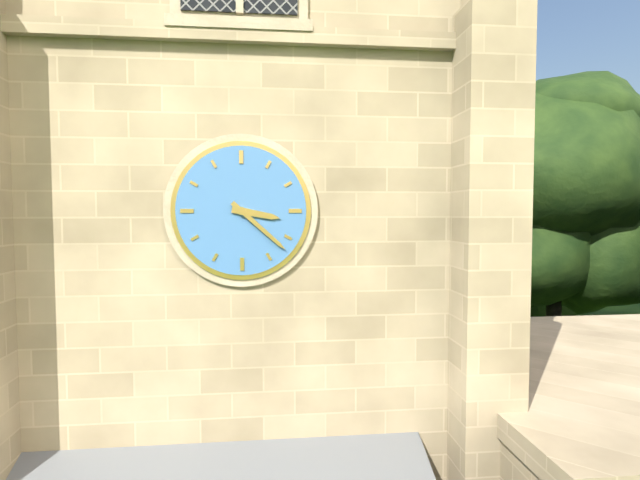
3h22
